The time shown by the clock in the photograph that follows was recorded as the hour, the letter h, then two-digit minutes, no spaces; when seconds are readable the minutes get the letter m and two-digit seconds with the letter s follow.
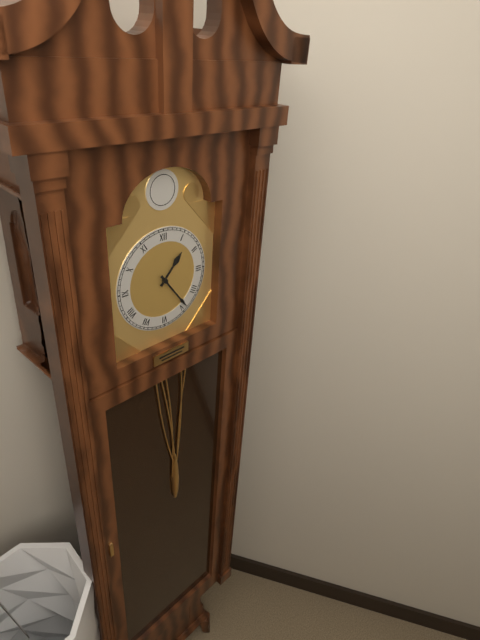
1h24
